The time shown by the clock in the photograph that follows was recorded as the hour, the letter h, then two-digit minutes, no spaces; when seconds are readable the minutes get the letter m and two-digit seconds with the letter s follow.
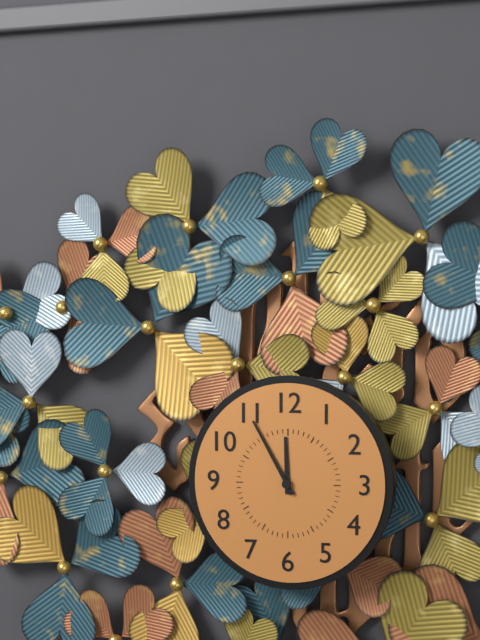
11h55
